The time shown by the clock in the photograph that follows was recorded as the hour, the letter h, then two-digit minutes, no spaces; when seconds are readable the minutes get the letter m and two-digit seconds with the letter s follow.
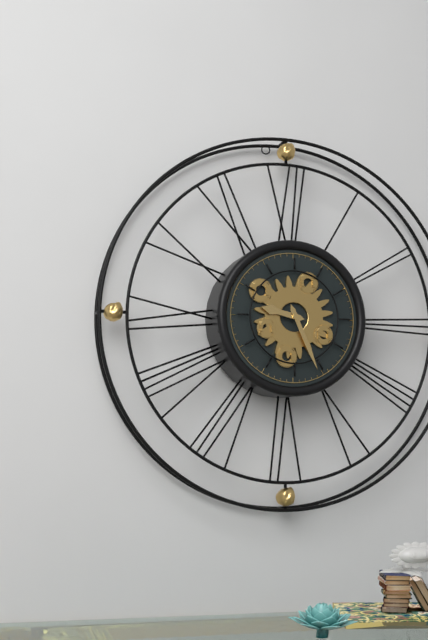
9h26
